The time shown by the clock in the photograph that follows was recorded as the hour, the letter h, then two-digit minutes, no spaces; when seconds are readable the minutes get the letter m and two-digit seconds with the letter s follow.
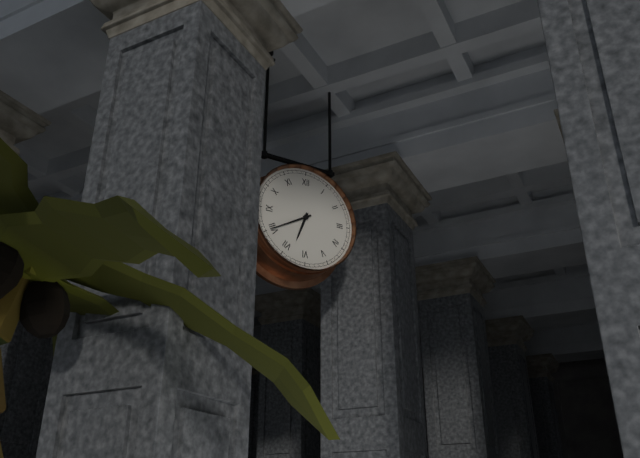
6h40
